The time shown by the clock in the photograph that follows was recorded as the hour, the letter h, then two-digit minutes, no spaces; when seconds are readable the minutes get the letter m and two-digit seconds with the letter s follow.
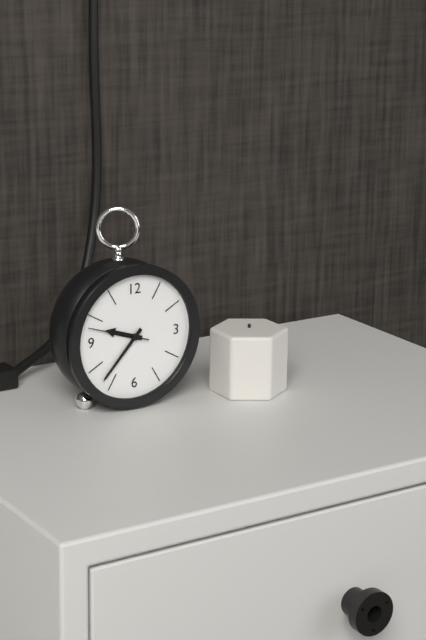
9h37m48s
